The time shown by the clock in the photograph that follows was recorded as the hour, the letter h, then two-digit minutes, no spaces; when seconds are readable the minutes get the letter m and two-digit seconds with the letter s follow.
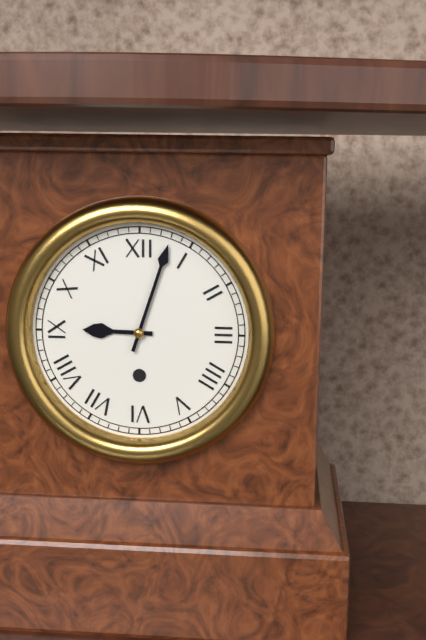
9h03
